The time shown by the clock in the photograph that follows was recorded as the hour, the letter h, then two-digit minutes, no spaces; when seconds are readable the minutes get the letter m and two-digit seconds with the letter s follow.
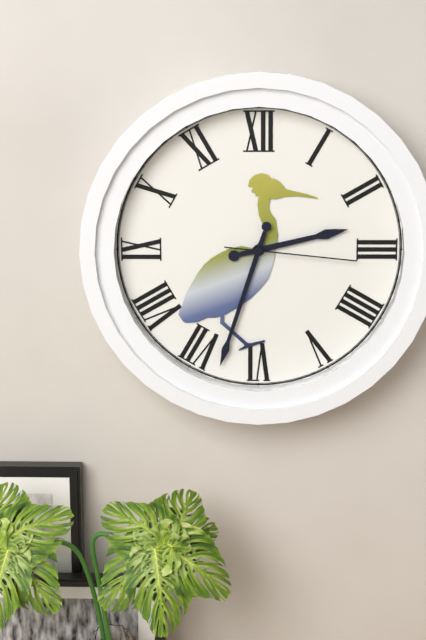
2h33m16s
